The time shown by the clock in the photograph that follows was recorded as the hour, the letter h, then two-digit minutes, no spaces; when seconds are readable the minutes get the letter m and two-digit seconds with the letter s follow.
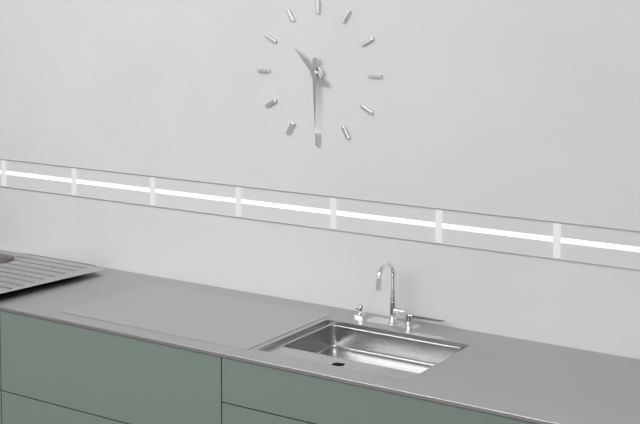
10h30
